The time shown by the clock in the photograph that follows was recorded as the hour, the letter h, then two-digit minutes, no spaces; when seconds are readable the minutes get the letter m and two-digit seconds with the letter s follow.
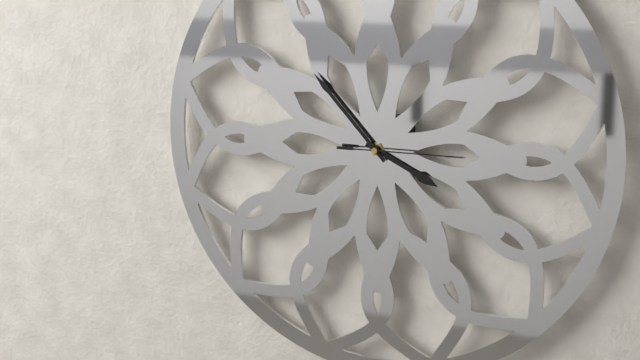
3h53m15s
